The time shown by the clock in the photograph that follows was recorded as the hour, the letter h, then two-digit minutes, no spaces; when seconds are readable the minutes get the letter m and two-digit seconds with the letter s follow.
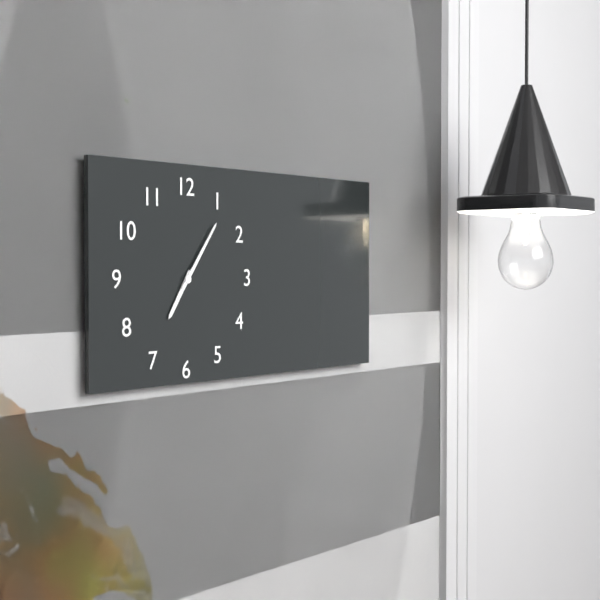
7h06
